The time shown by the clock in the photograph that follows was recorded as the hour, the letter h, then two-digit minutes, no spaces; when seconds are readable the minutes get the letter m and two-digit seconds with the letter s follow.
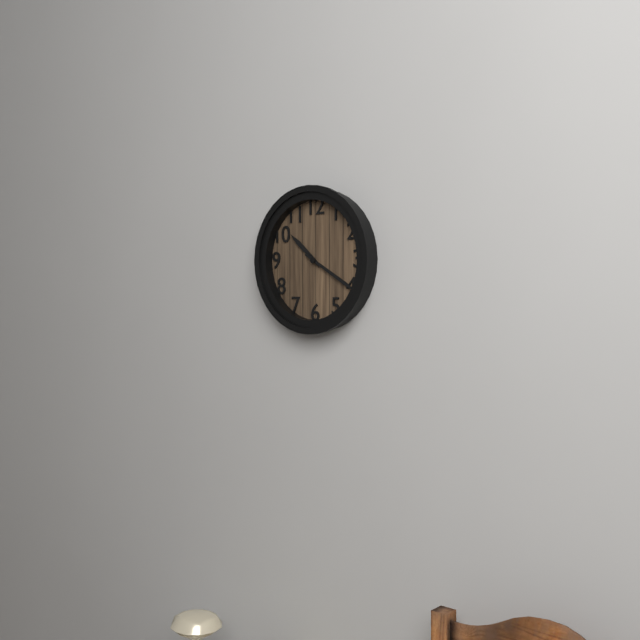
10h20
